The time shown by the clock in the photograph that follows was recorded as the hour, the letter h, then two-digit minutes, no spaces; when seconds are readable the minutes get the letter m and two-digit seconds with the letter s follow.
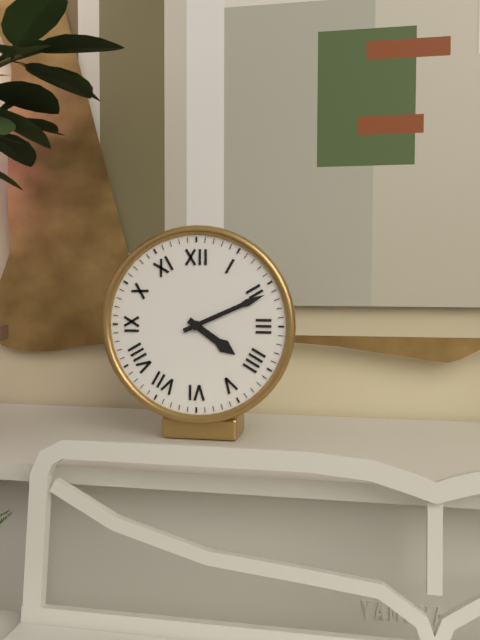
4h11
